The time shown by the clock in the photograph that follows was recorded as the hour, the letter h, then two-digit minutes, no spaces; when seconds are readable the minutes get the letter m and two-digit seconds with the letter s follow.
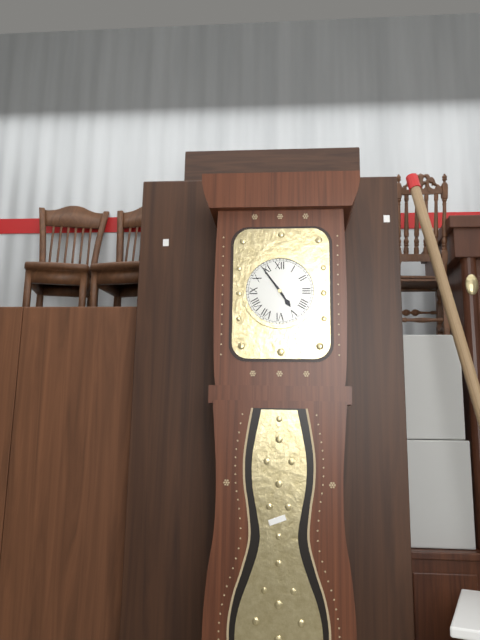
4h54
